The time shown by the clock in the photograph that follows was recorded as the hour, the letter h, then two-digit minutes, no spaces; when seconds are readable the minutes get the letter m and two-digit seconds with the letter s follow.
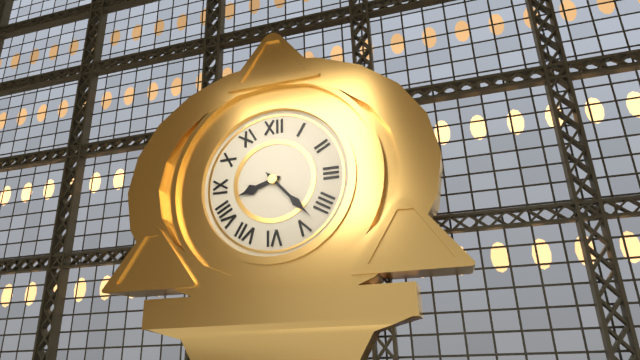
8h23
